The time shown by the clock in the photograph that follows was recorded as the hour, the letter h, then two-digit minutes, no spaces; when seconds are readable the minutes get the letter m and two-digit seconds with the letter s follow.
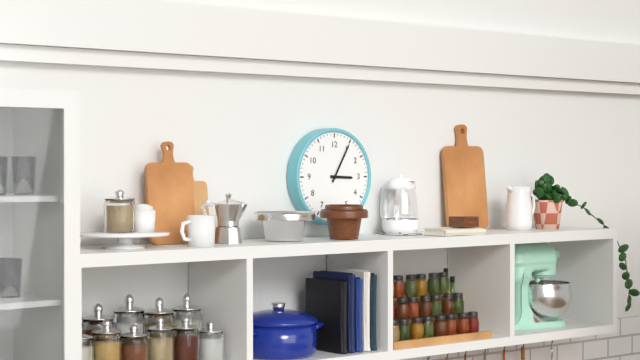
3h05
